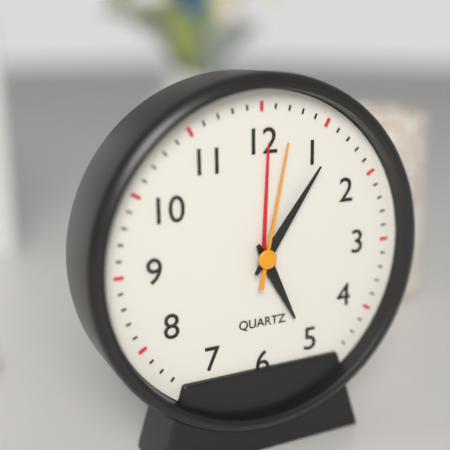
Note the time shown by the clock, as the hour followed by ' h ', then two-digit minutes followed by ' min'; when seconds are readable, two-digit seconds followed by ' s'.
5 h 06 min 02 s
